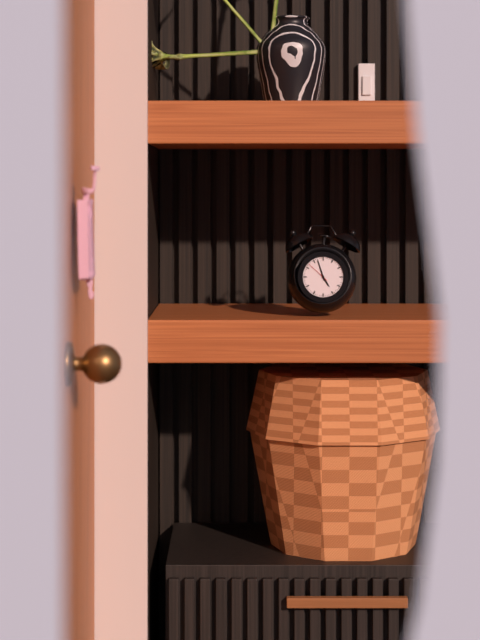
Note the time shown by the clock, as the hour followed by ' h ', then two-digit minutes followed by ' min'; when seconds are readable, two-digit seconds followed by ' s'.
4 h 57 min
